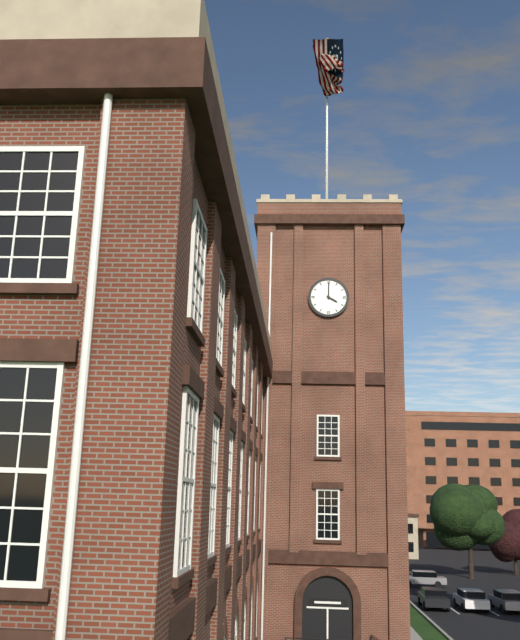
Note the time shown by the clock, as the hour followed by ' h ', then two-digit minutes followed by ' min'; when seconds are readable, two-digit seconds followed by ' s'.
4 h 00 min
